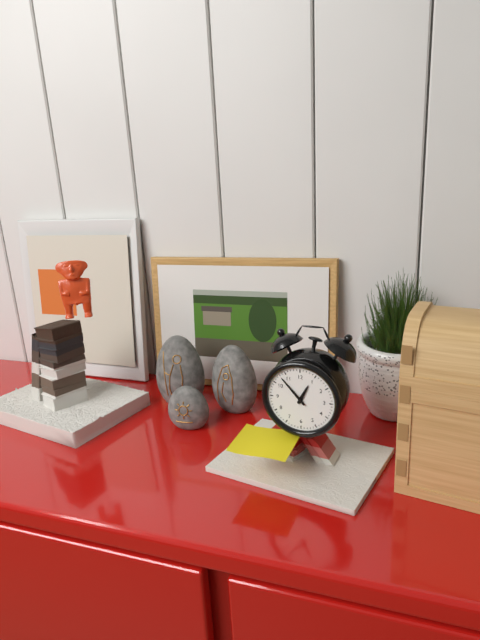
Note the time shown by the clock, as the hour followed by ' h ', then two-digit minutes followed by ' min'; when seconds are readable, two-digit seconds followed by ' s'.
12 h 53 min
